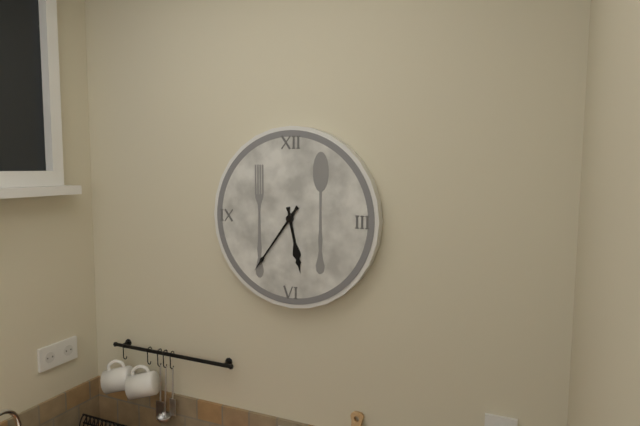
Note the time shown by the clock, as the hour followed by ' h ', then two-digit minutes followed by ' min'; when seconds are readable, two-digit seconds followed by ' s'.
5 h 36 min
